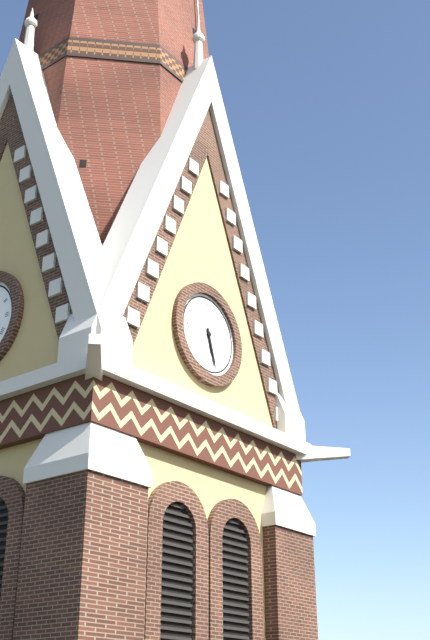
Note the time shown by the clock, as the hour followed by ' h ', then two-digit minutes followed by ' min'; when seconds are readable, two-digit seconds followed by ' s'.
5 h 27 min
